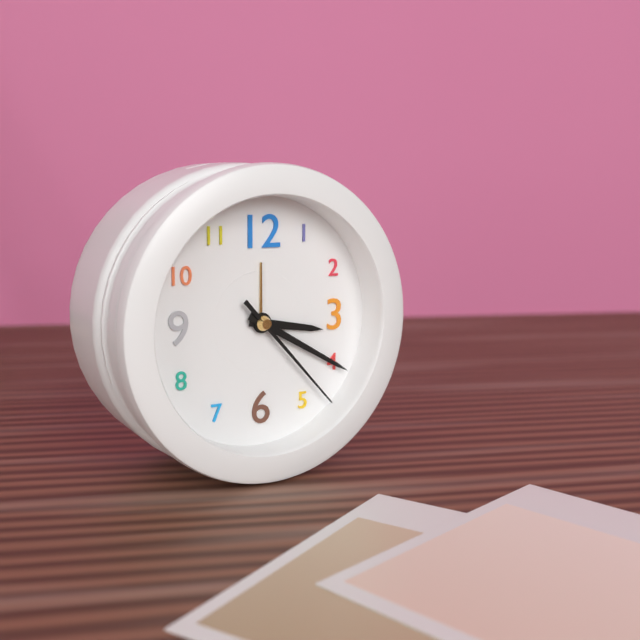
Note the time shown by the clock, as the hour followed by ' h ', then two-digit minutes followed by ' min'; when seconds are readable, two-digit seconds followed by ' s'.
3 h 20 min 23 s
